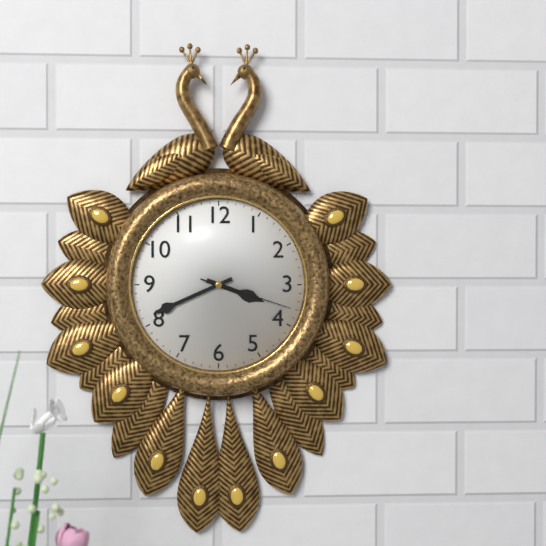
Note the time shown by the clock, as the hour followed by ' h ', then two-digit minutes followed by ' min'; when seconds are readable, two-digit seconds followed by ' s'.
3 h 41 min 18 s
